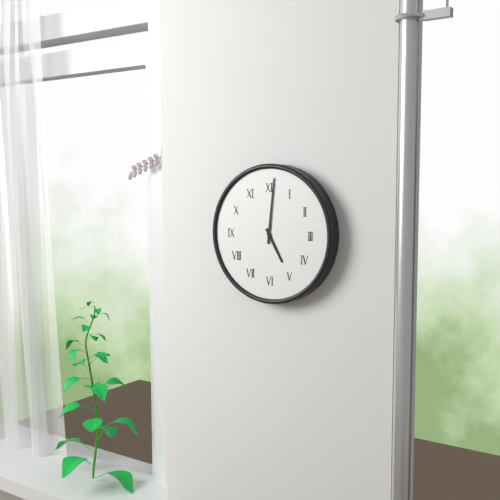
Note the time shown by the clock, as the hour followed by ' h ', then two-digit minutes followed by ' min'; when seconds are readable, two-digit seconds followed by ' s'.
5 h 01 min
